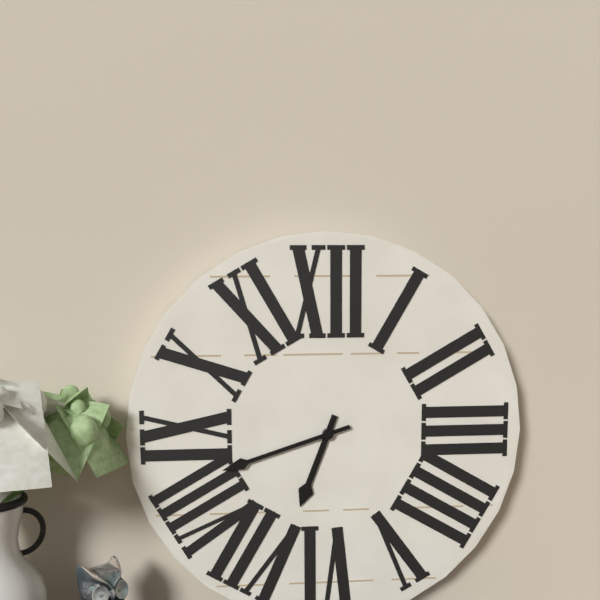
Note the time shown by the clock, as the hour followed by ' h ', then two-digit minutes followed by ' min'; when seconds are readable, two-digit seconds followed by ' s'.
6 h 42 min
